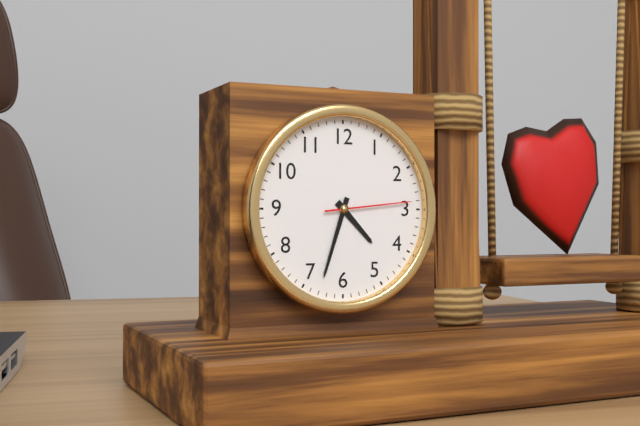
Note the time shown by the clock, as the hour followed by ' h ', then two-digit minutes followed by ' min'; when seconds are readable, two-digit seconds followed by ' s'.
4 h 33 min 14 s
